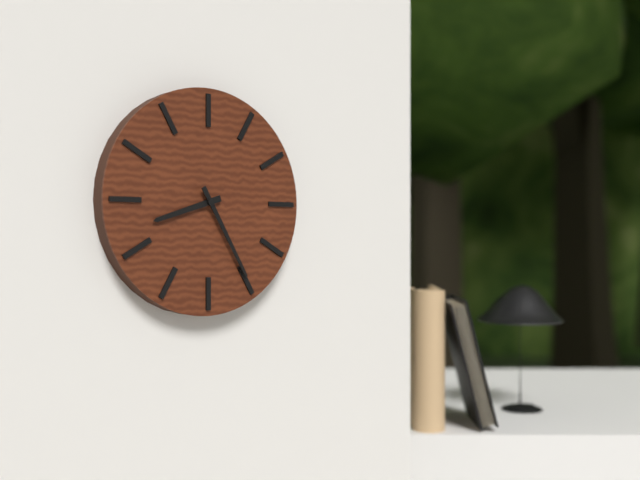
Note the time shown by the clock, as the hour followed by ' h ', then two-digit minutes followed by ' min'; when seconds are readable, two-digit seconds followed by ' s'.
8 h 25 min
